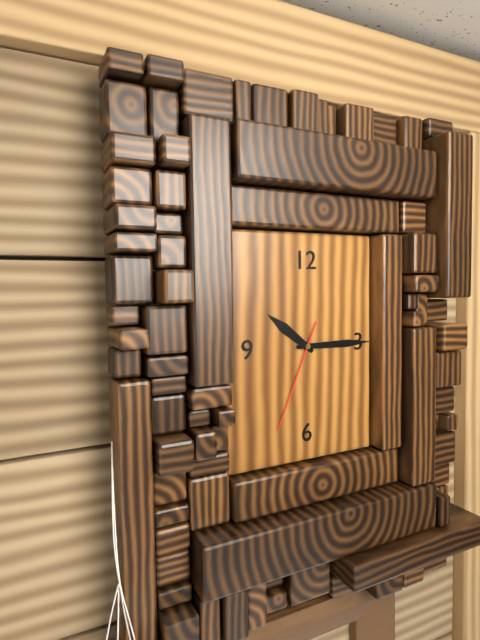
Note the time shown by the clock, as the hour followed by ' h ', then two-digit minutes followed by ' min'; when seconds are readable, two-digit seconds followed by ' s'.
10 h 15 min 34 s
